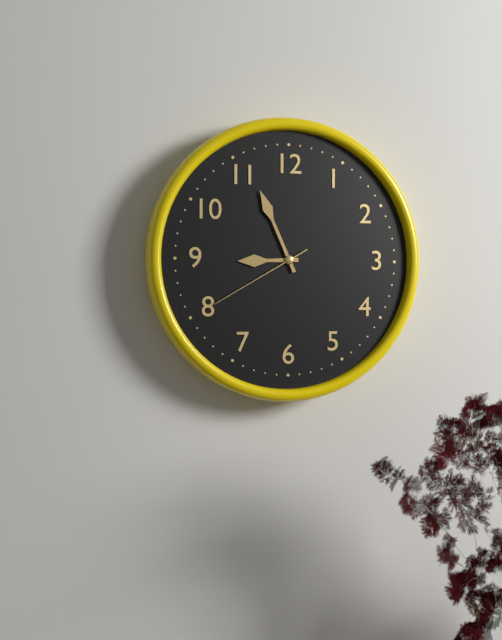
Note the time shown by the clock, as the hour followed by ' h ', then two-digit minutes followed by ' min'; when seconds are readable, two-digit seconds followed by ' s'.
8 h 56 min 40 s
